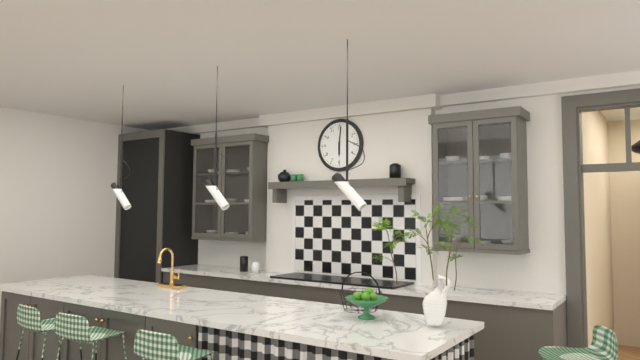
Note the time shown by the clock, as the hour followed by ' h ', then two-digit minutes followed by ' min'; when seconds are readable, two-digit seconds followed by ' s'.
6 h 01 min
